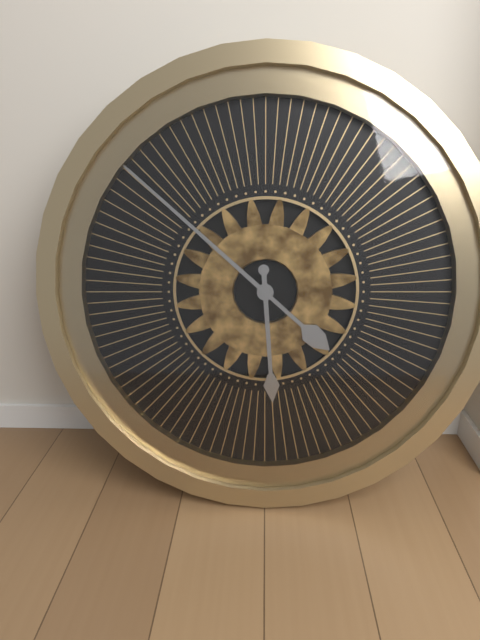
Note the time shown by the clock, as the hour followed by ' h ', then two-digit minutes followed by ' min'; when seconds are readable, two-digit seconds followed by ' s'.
5 h 52 min
